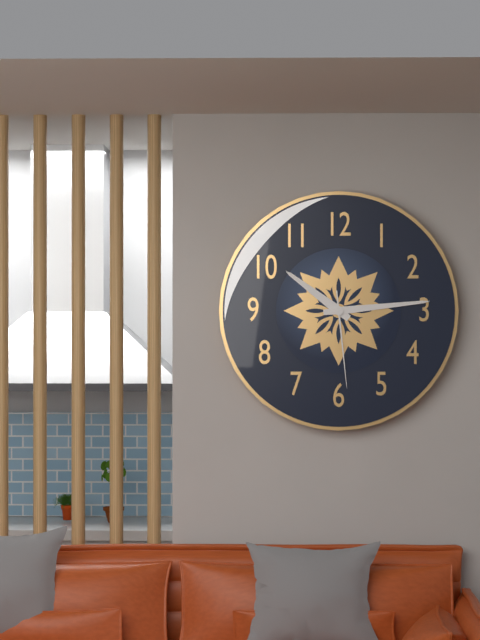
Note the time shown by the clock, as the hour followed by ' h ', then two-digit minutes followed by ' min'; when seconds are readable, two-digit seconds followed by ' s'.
10 h 14 min 29 s
